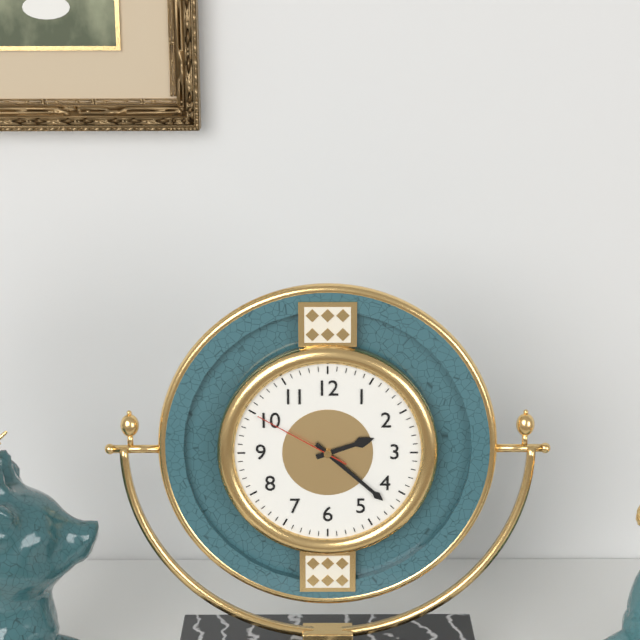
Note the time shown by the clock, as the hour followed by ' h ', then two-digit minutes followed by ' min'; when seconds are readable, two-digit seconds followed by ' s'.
2 h 22 min 50 s
